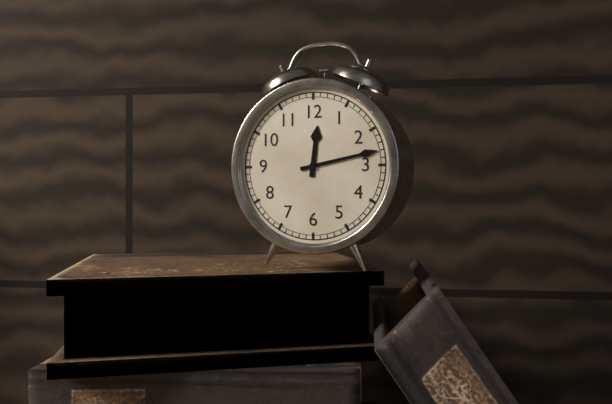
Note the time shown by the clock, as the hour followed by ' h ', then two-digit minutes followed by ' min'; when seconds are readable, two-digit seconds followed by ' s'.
12 h 13 min
